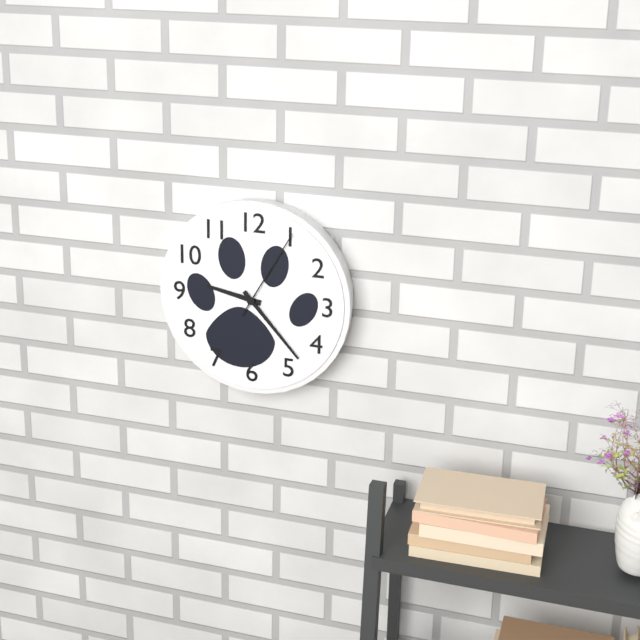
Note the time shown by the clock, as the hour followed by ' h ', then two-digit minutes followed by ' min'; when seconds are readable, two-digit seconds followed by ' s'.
9 h 23 min 05 s
